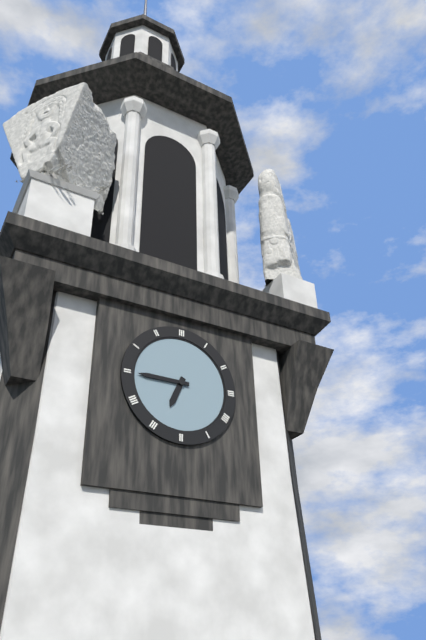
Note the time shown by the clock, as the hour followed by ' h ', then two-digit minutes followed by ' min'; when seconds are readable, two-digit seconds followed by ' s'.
6 h 45 min
